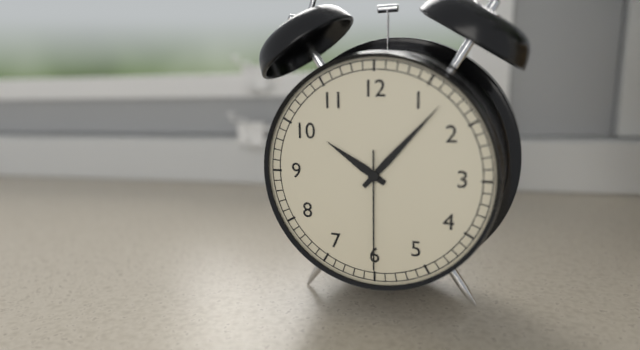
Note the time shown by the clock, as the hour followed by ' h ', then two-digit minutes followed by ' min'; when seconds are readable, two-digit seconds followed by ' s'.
10 h 07 min 30 s
